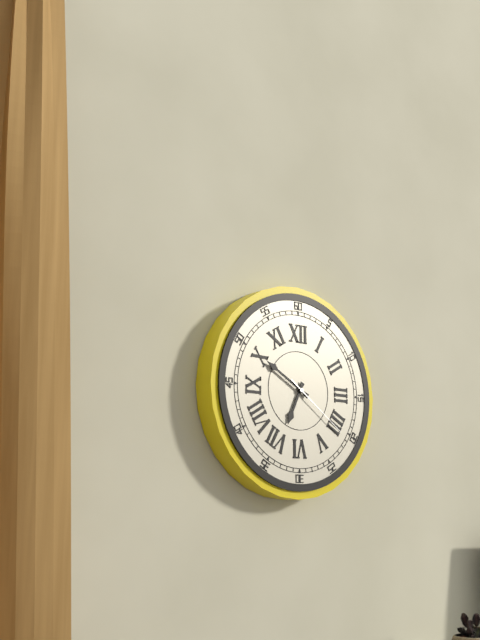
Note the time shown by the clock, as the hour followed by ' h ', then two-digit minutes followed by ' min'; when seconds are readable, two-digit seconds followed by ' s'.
6 h 50 min 21 s
